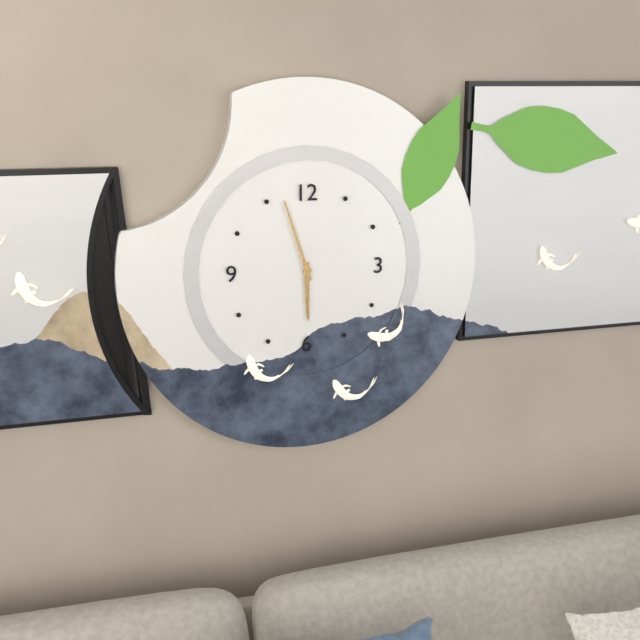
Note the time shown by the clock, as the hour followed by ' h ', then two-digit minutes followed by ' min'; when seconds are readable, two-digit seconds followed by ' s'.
5 h 57 min
